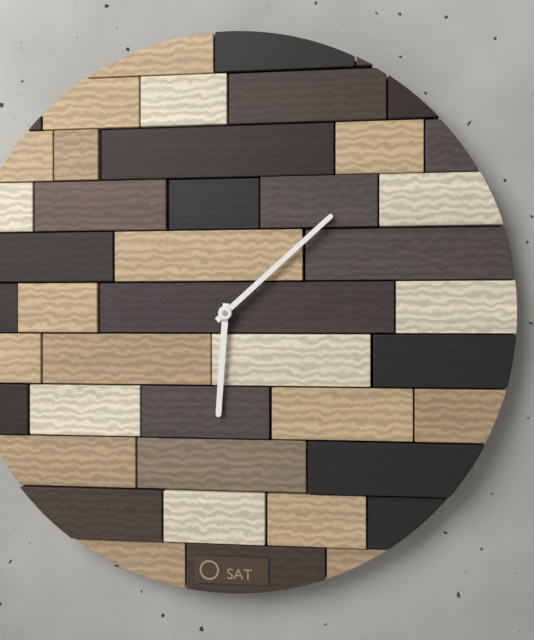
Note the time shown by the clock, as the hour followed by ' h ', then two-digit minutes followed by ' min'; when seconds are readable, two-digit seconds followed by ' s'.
6 h 08 min
